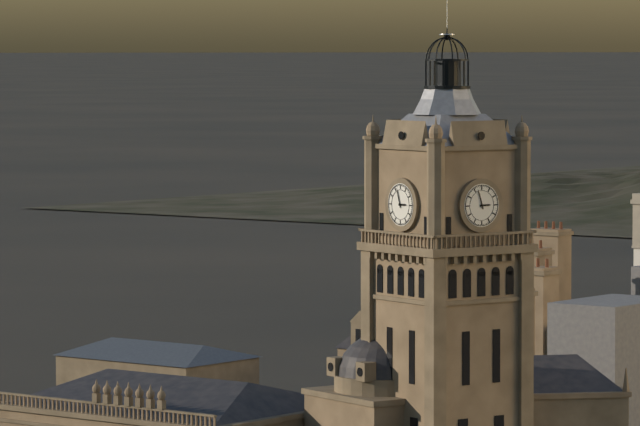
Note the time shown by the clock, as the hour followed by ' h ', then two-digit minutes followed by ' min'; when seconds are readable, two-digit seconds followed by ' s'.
2 h 57 min
